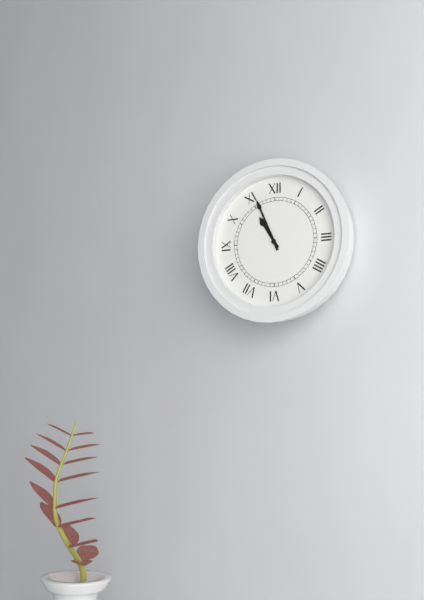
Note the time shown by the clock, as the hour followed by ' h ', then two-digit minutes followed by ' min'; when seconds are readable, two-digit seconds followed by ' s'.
10 h 56 min
